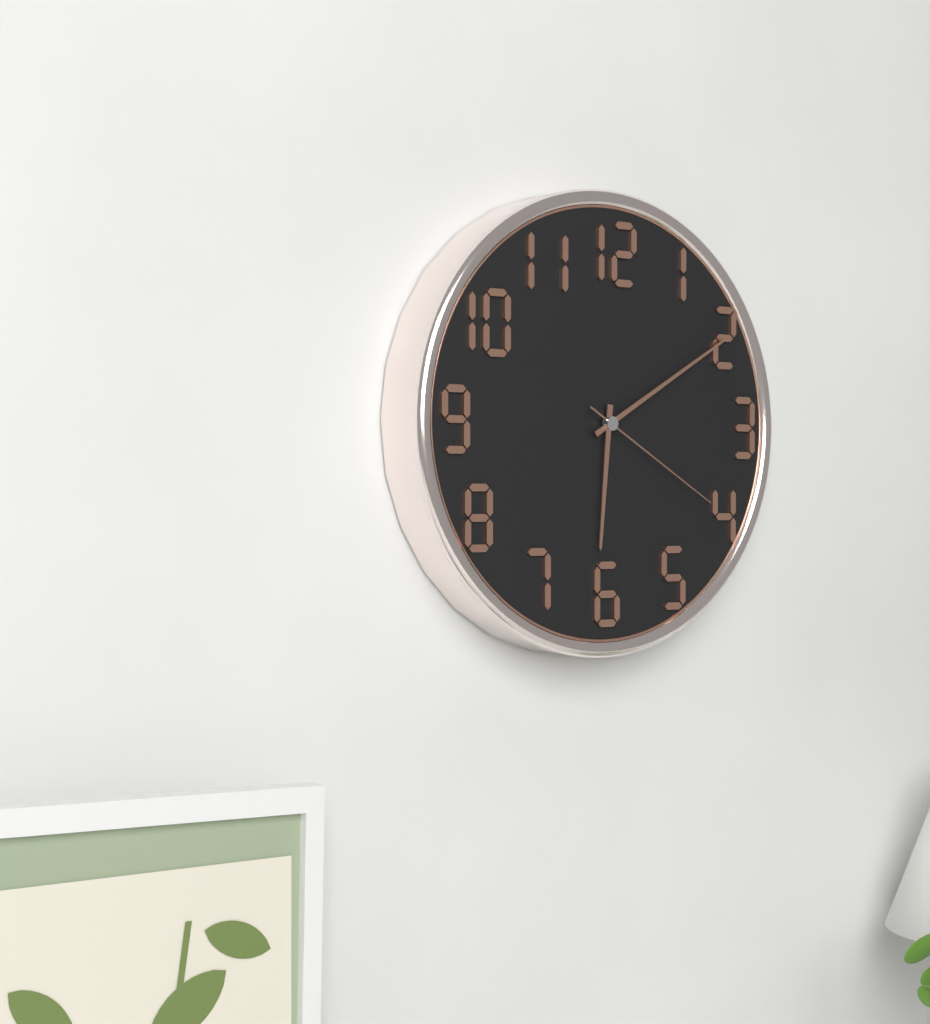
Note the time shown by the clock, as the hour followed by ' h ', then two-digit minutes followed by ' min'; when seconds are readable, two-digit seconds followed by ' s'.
6 h 10 min 20 s
